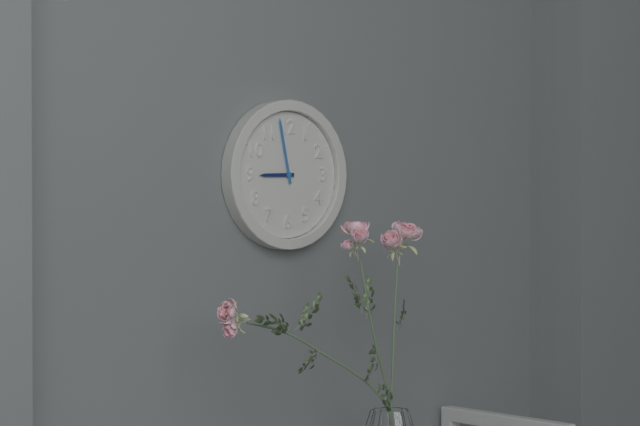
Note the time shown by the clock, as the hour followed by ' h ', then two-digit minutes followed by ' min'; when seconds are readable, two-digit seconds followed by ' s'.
8 h 58 min
